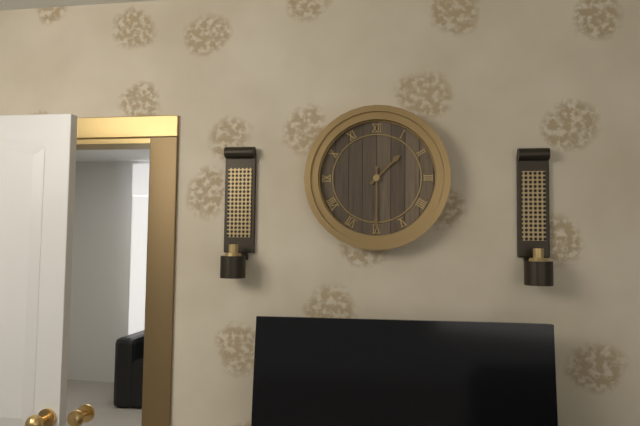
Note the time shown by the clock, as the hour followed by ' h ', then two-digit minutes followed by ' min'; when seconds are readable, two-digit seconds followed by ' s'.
1 h 30 min
